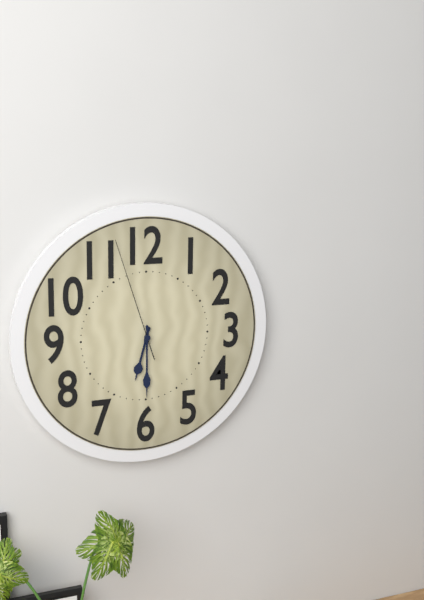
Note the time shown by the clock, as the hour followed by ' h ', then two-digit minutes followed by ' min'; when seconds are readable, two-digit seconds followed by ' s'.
6 h 30 min 57 s
